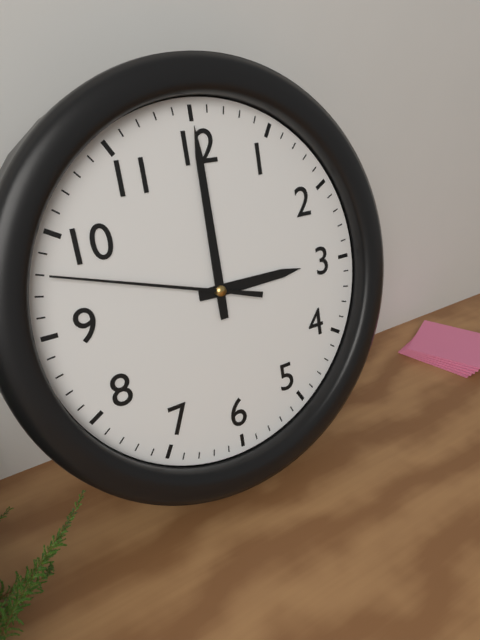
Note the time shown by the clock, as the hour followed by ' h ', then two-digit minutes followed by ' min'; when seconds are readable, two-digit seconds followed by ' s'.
3 h 00 min 48 s
